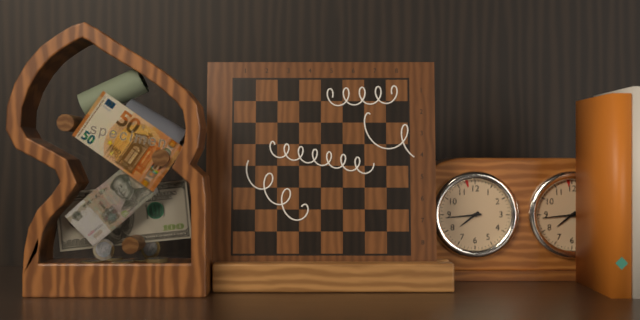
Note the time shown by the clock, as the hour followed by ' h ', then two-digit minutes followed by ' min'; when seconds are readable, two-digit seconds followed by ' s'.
7 h 44 min
